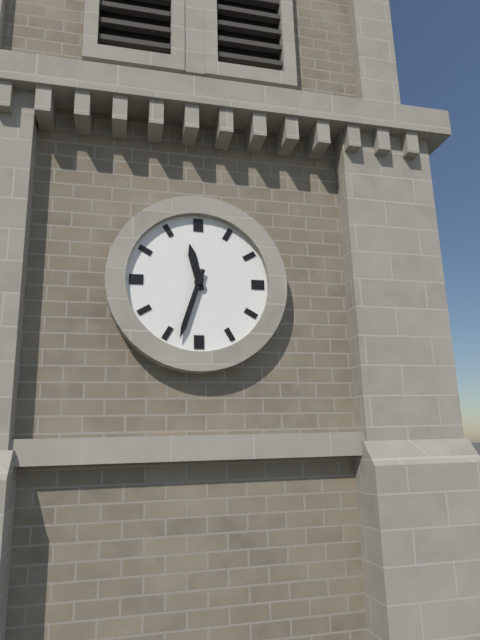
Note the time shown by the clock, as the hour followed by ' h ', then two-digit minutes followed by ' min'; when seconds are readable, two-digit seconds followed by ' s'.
11 h 33 min
